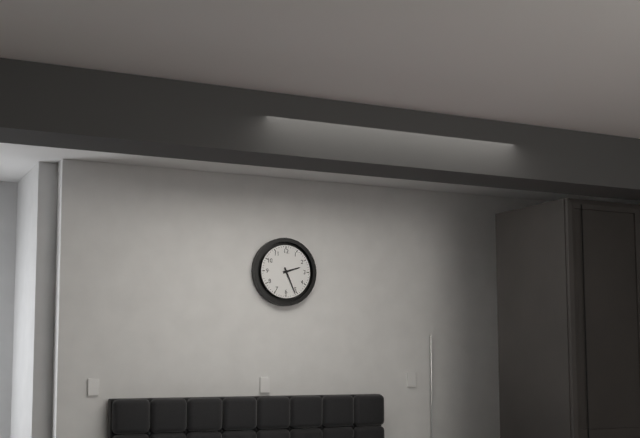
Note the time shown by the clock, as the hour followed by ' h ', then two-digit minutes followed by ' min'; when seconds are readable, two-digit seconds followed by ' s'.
2 h 26 min
